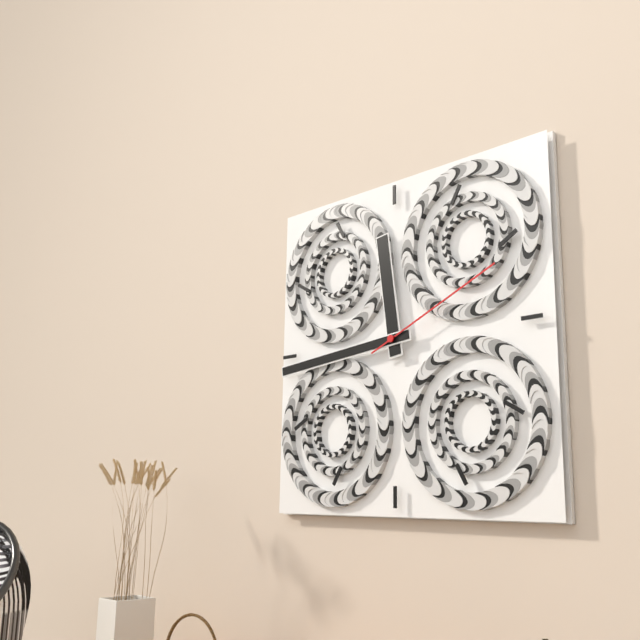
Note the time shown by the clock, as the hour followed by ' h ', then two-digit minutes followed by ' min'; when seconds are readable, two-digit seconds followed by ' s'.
11 h 44 min 11 s
